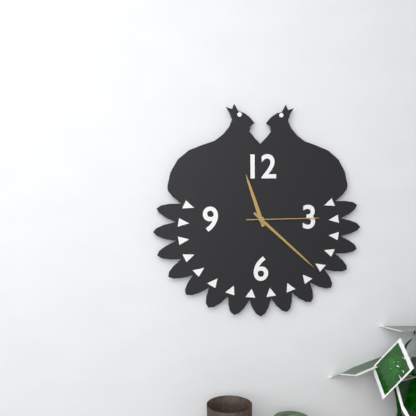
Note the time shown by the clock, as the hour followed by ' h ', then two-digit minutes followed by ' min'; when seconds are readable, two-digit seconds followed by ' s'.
11 h 22 min 15 s
